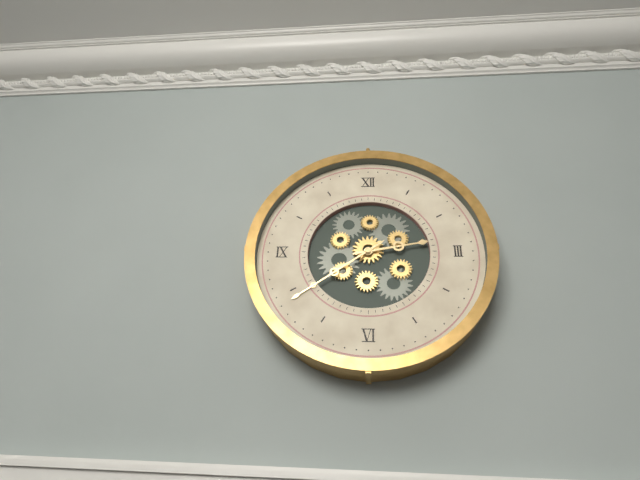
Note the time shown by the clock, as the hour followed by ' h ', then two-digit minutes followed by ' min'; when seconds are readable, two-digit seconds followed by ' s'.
2 h 39 min
